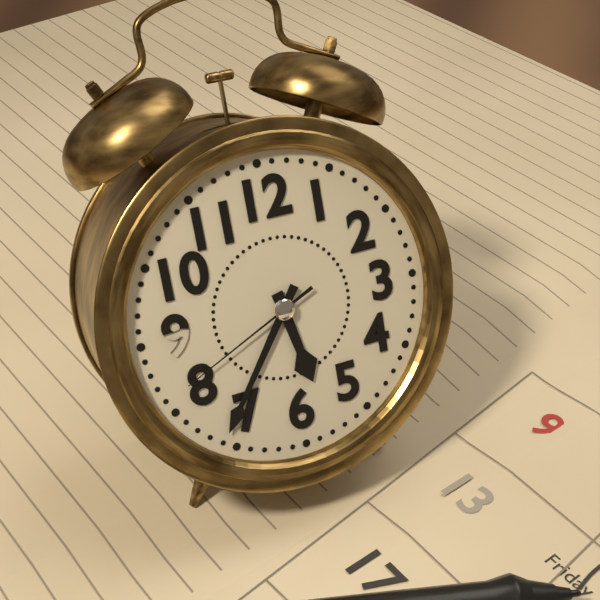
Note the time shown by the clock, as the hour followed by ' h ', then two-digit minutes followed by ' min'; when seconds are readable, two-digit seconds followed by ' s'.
5 h 36 min 41 s
